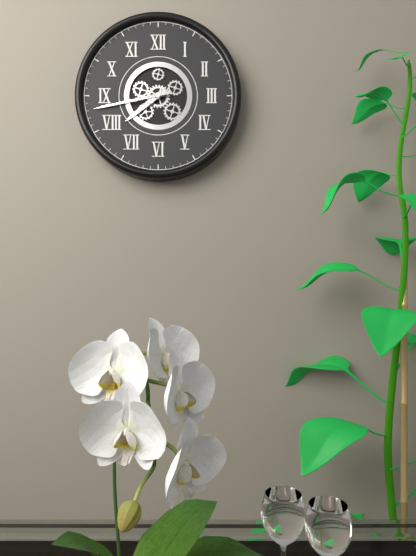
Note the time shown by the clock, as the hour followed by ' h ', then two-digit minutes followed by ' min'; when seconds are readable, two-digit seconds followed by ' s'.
7 h 43 min
